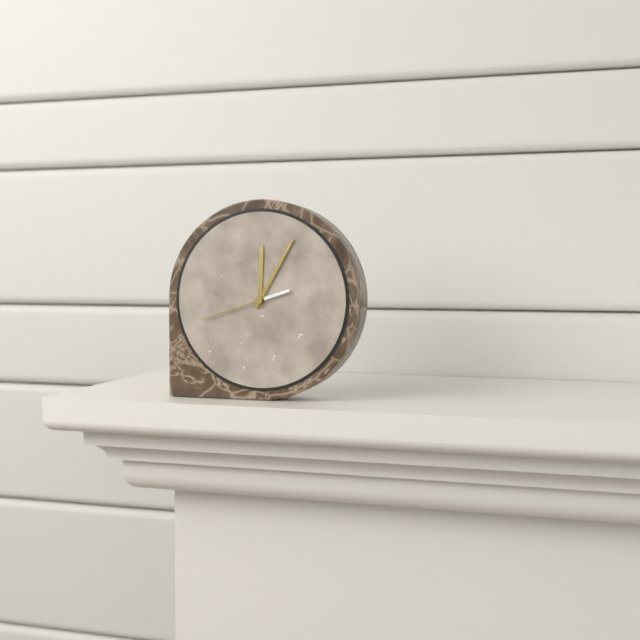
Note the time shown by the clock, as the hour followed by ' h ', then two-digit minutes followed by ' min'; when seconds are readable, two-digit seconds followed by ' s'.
12 h 05 min 42 s
